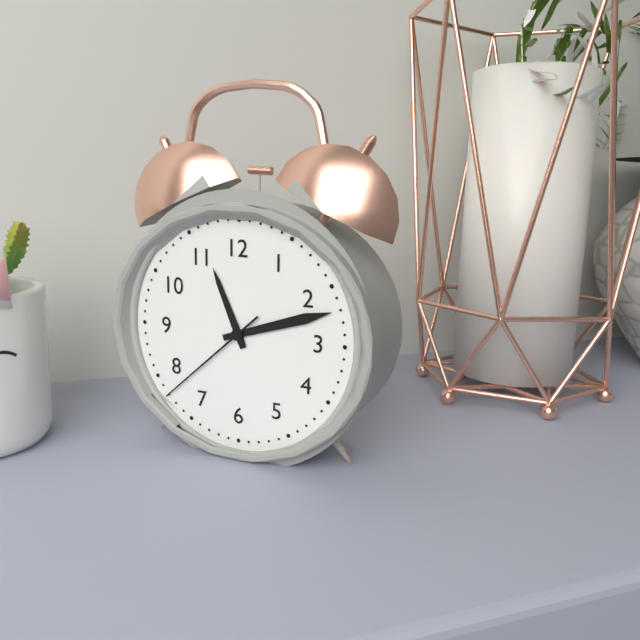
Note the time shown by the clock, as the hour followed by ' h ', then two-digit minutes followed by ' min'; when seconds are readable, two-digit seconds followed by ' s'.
11 h 12 min 38 s
